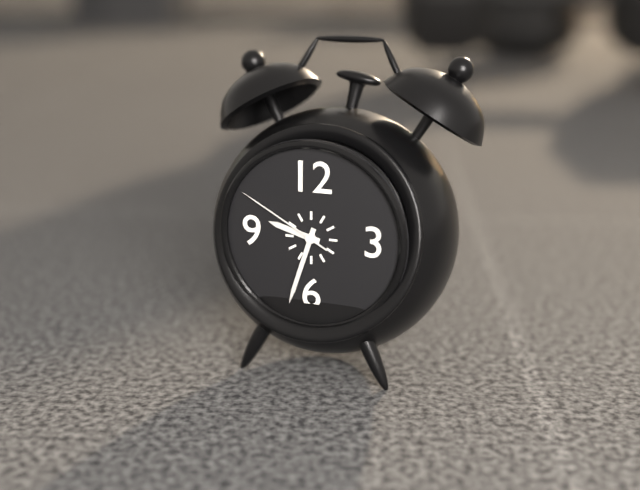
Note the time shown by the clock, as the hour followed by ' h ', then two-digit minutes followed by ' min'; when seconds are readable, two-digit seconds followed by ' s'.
9 h 33 min 50 s
